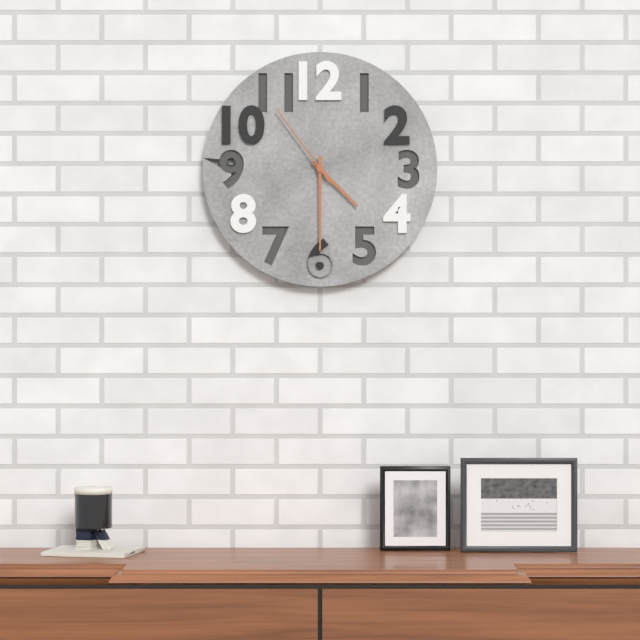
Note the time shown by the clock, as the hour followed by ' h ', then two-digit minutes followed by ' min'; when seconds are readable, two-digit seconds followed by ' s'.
4 h 30 min 54 s
